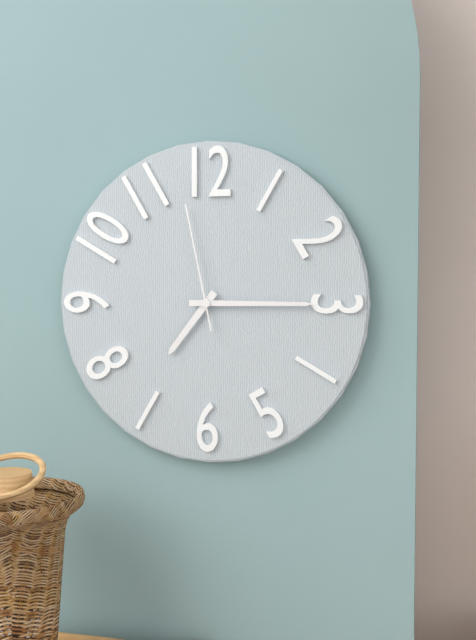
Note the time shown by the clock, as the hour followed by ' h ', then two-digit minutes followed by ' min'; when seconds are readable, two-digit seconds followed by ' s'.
7 h 15 min 58 s
